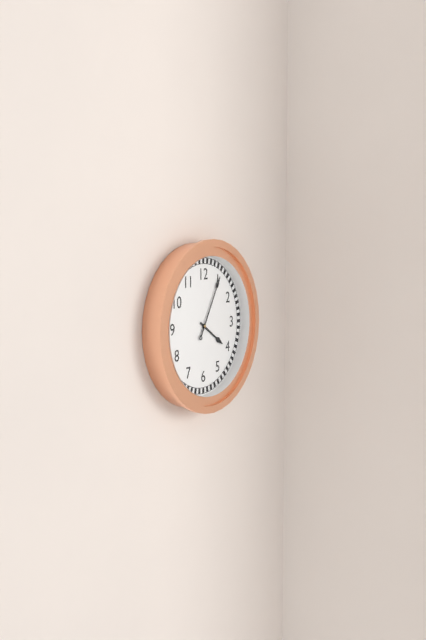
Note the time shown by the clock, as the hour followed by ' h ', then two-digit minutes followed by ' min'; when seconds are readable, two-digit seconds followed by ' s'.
4 h 05 min
